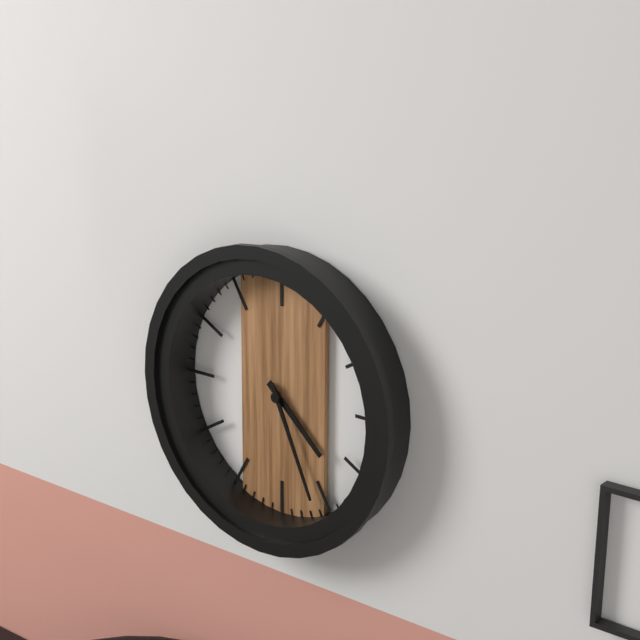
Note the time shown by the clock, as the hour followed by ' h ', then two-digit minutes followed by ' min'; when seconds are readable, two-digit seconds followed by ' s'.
4 h 26 min
